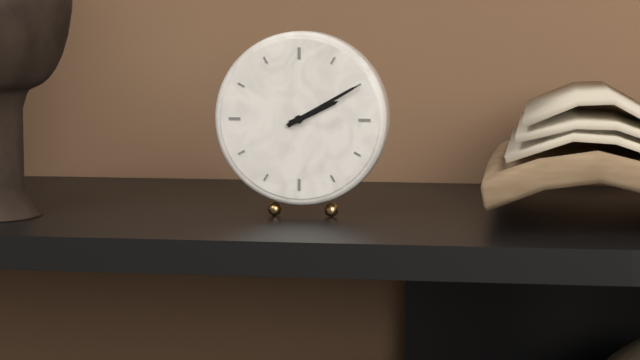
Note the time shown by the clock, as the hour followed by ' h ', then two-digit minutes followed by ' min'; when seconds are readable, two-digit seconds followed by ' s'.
2 h 10 min
